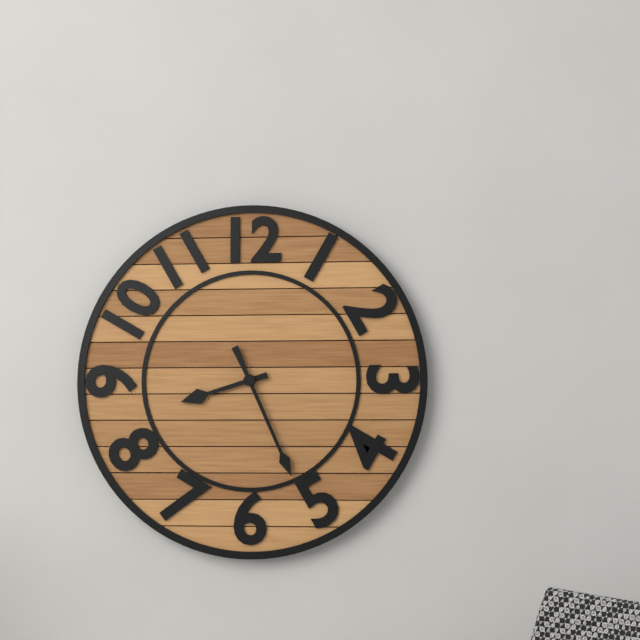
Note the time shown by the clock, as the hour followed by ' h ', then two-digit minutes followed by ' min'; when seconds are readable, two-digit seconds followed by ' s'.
8 h 26 min
